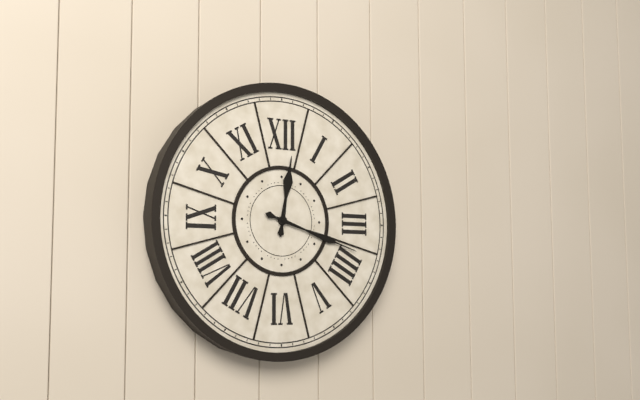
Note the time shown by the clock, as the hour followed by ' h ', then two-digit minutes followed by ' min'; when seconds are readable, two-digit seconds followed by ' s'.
12 h 18 min
